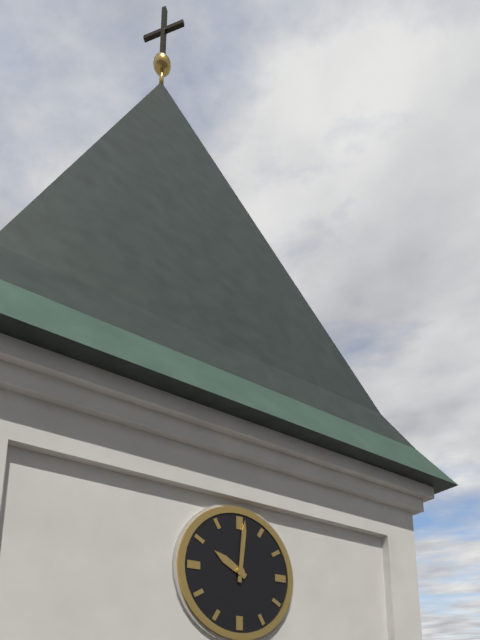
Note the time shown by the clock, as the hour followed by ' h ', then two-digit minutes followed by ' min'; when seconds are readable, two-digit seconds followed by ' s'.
10 h 01 min
